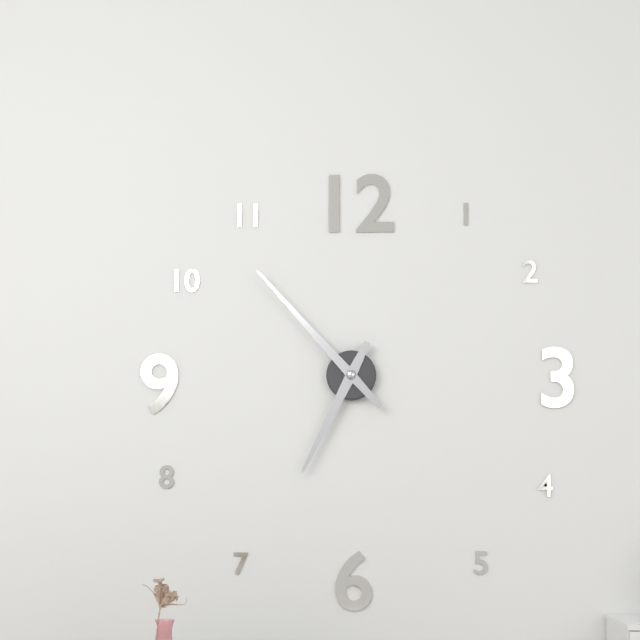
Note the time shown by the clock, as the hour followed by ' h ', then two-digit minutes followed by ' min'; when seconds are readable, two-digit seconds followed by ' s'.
6 h 53 min
